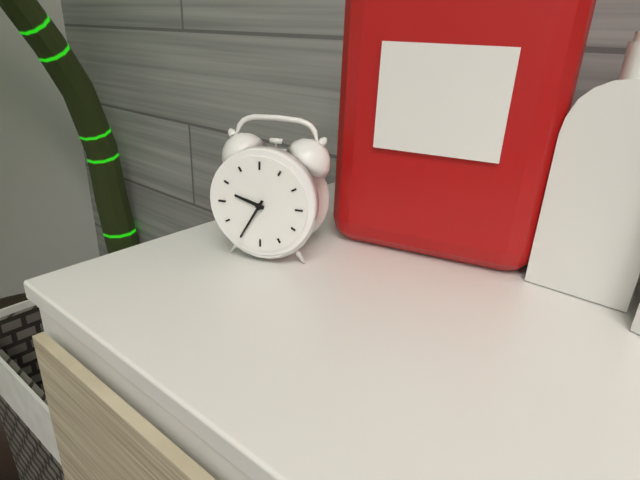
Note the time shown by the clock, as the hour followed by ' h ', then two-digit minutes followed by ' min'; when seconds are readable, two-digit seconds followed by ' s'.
9 h 35 min
